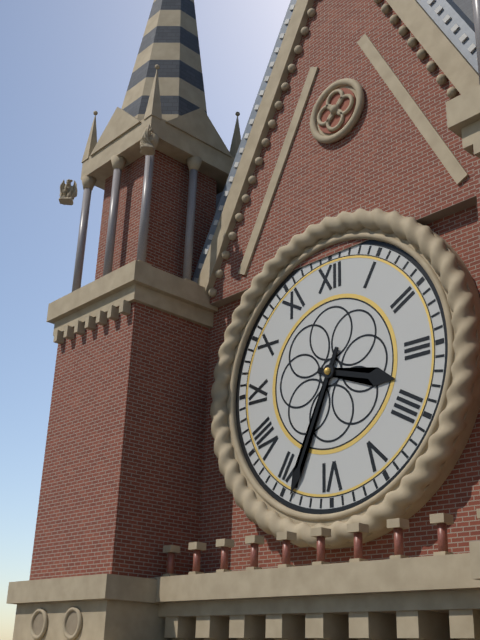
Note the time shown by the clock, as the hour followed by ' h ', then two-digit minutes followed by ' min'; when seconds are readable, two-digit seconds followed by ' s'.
3 h 34 min
